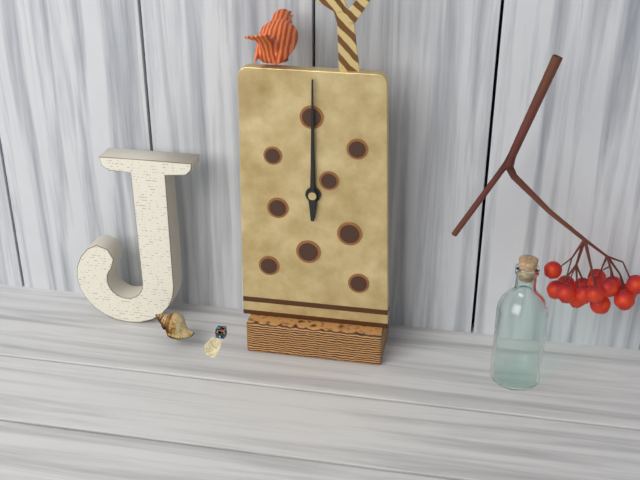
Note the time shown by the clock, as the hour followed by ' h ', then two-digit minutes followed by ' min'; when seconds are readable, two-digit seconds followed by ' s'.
12 h 00 min
